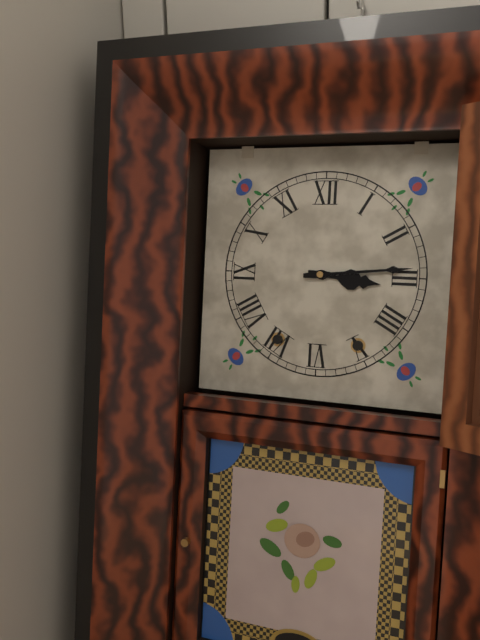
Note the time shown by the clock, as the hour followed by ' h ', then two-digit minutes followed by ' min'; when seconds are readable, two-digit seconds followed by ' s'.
3 h 14 min
